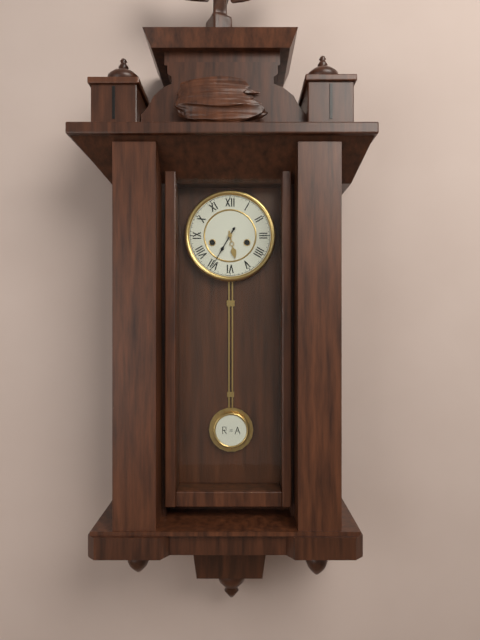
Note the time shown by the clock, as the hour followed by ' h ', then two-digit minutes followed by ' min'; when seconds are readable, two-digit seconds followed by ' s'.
5 h 35 min
